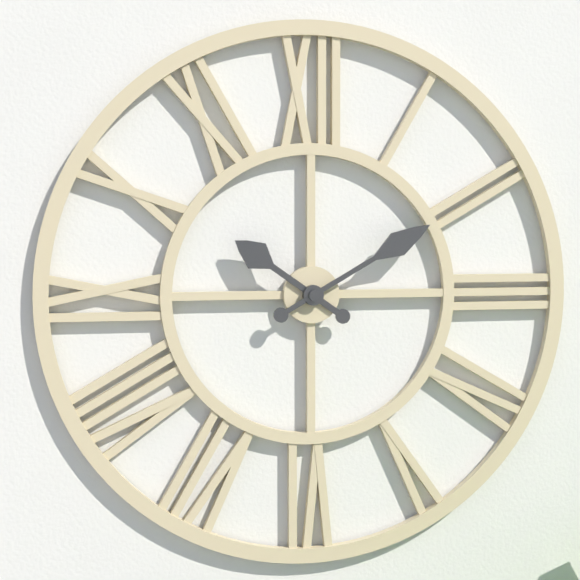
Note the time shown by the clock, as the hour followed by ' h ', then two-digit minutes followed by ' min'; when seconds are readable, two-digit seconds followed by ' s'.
10 h 10 min
